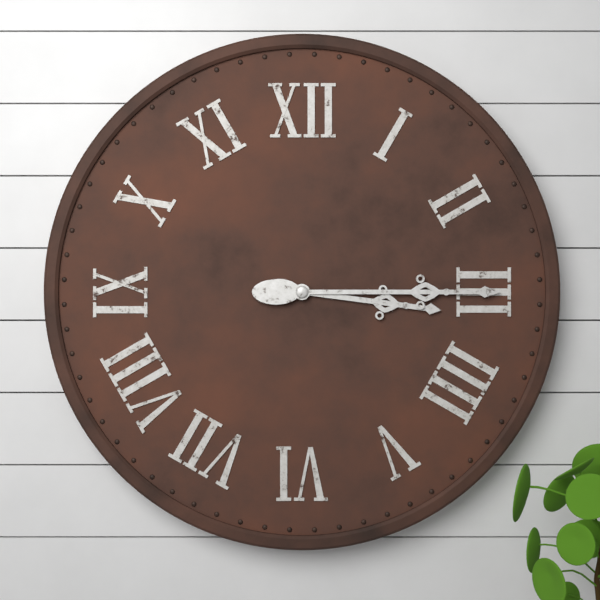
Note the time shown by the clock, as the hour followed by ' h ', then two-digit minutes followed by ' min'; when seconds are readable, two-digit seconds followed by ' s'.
3 h 15 min
